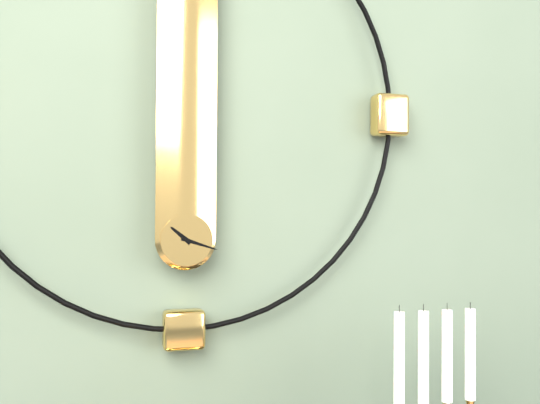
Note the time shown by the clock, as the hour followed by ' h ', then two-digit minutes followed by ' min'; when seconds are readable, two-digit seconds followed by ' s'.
10 h 18 min
